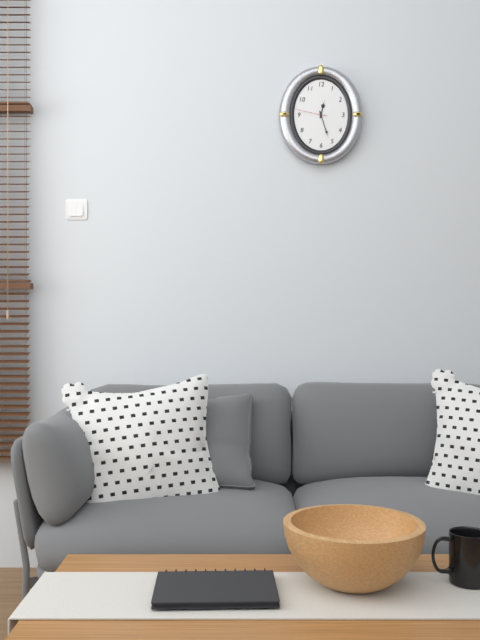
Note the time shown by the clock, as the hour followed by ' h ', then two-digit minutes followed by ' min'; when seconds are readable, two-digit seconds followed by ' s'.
12 h 27 min
